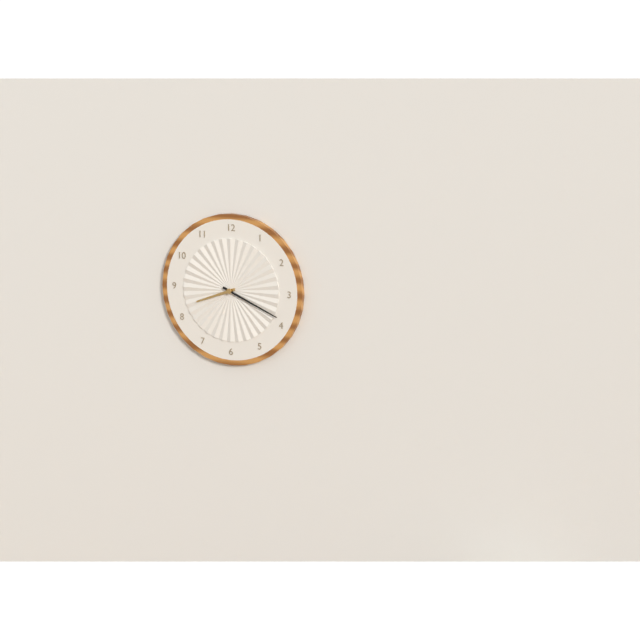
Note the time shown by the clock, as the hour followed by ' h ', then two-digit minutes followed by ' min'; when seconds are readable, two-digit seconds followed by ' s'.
8 h 19 min
